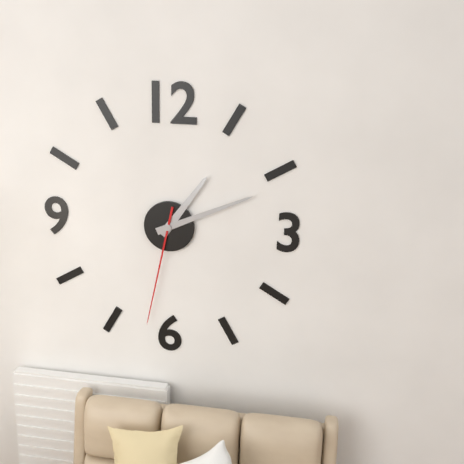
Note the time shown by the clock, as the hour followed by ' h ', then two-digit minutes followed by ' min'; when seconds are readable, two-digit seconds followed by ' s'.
1 h 11 min 32 s
